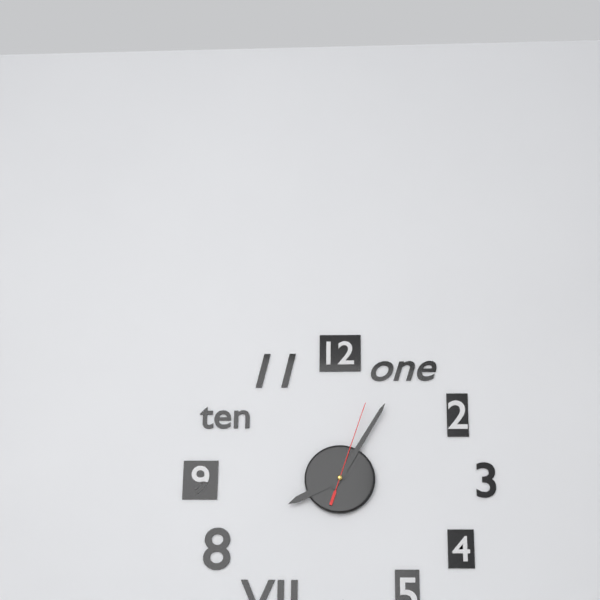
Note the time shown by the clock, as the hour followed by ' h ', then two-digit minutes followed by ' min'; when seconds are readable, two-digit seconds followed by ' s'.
8 h 05 min 03 s
